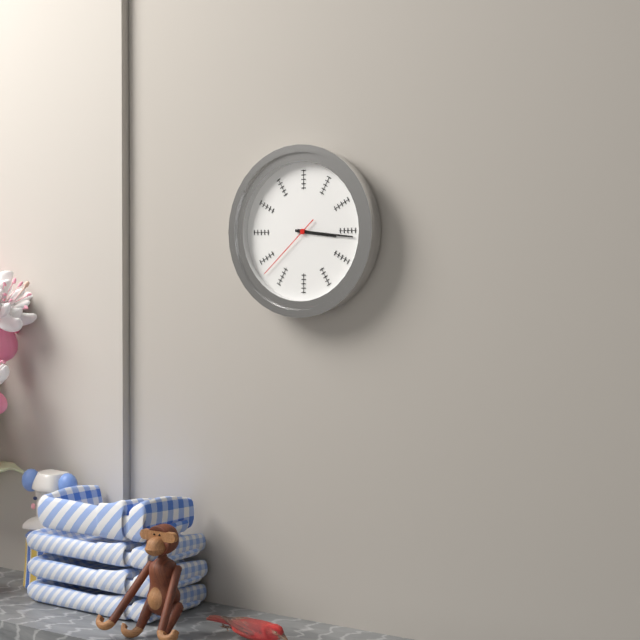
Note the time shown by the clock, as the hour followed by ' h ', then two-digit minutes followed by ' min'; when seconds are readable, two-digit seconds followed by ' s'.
3 h 16 min 38 s
